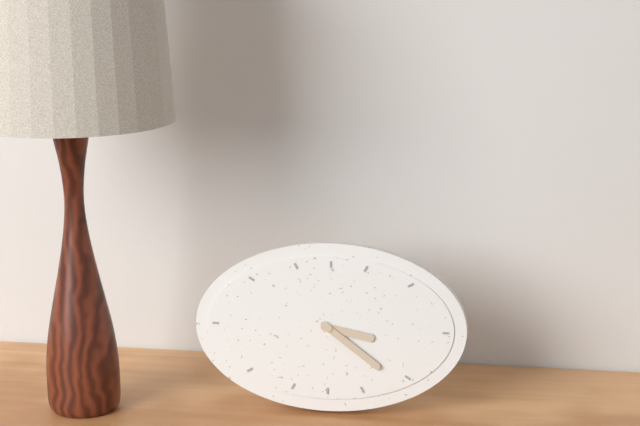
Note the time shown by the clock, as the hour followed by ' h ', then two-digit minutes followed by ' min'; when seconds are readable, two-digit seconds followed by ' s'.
3 h 21 min
